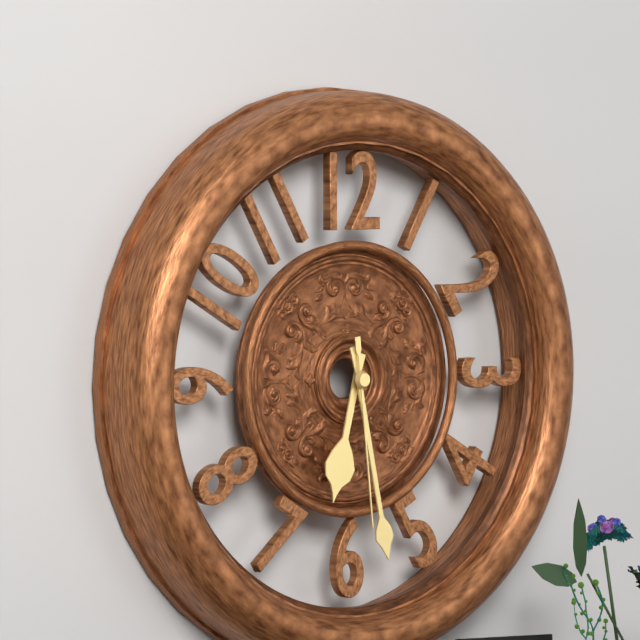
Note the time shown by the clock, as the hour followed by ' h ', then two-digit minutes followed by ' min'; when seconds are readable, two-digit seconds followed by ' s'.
6 h 28 min 29 s
